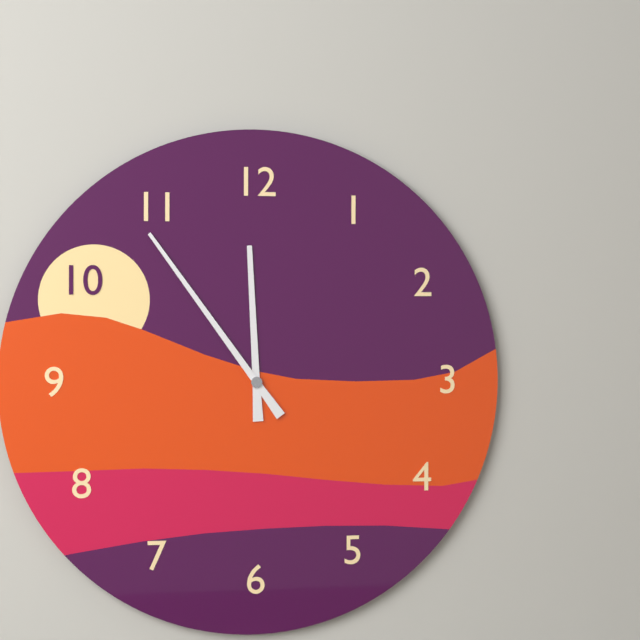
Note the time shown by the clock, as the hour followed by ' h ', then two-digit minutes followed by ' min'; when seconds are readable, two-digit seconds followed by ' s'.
11 h 54 min
